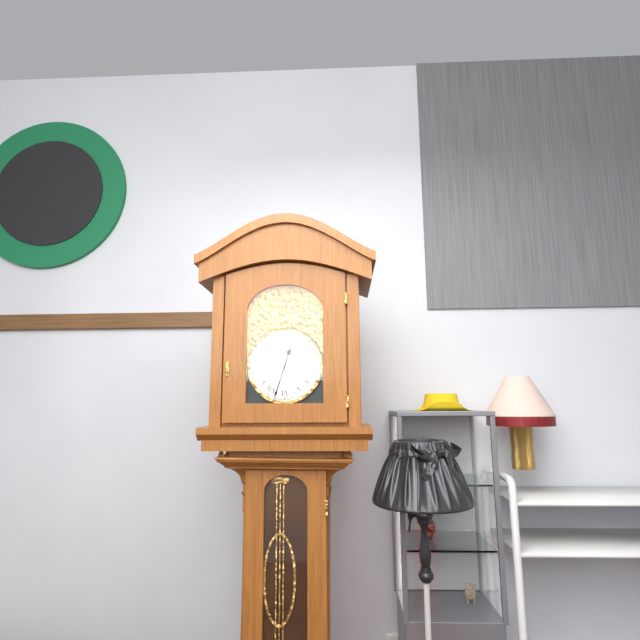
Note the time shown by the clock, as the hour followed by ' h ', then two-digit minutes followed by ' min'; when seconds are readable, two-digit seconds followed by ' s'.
12 h 33 min
